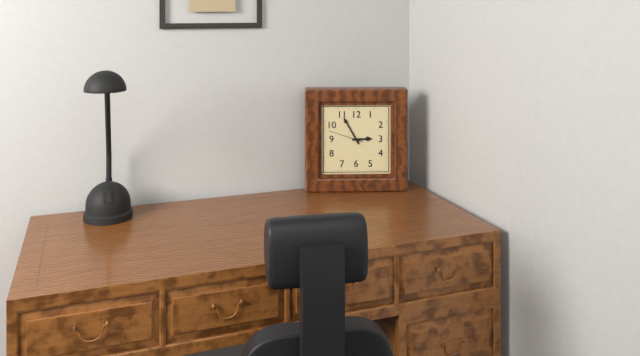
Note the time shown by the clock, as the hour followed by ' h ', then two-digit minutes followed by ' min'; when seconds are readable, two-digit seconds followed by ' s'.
2 h 55 min
